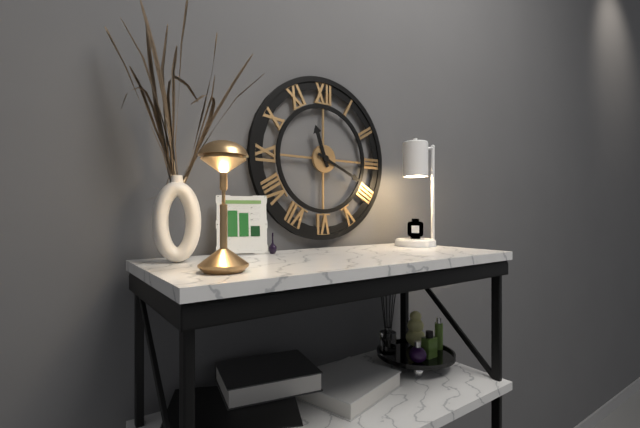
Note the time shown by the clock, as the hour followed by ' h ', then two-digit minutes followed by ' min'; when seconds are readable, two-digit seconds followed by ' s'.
11 h 19 min
